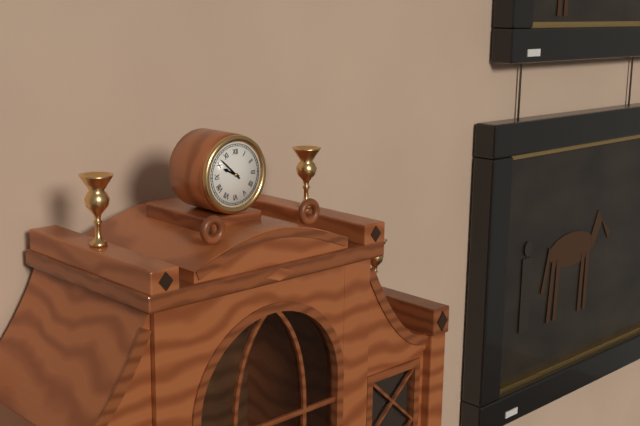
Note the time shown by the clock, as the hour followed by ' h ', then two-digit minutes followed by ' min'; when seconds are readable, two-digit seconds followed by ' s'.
9 h 52 min
